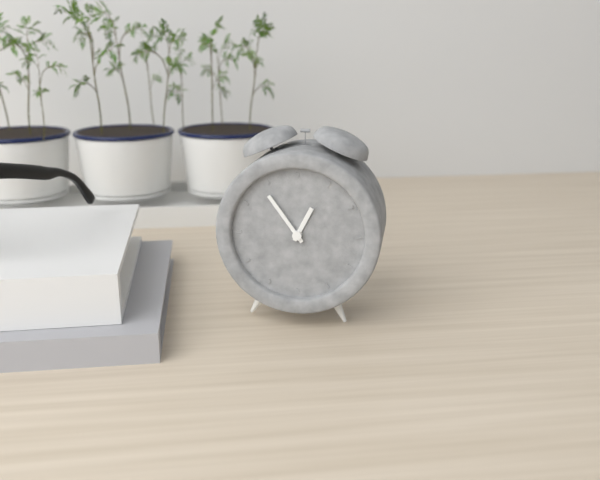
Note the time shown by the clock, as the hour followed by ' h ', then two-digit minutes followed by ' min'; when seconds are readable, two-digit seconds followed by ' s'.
12 h 54 min
